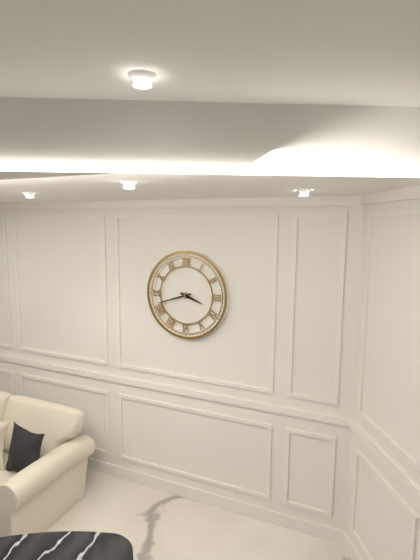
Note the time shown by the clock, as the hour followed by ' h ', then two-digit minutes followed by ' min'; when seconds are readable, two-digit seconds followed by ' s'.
3 h 42 min
